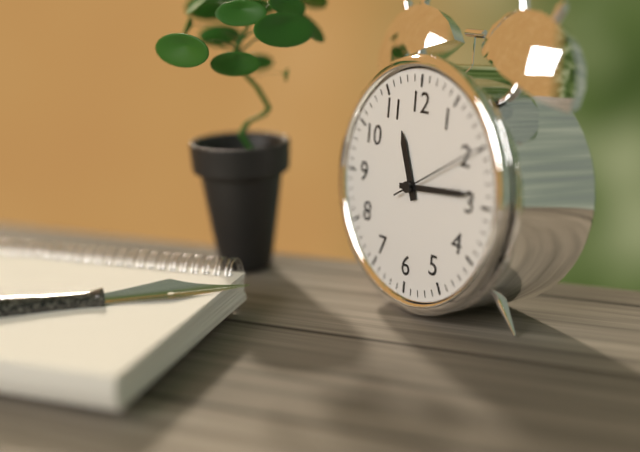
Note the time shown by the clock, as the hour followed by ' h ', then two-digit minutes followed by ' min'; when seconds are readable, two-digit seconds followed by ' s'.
11 h 14 min 10 s
